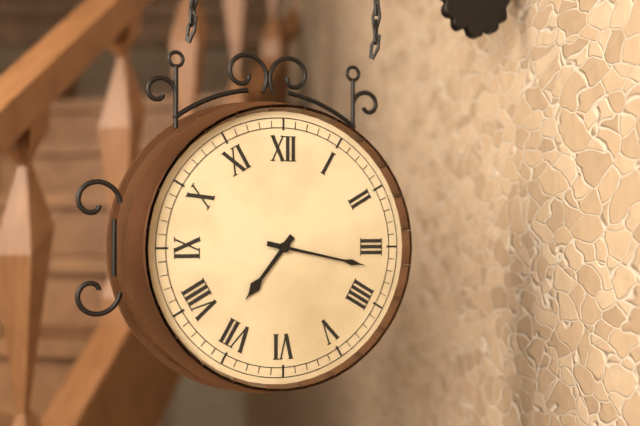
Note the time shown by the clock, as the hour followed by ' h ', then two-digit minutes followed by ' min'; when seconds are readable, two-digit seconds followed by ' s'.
7 h 17 min
